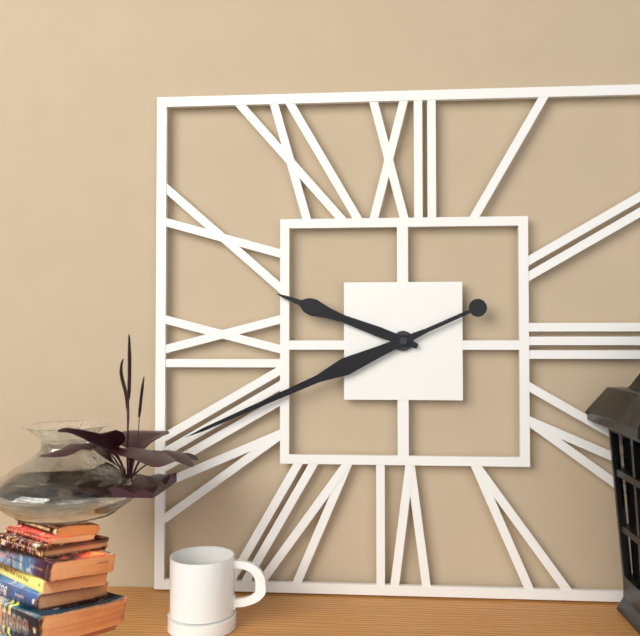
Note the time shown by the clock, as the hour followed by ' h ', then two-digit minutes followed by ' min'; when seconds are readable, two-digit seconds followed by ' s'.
9 h 41 min
